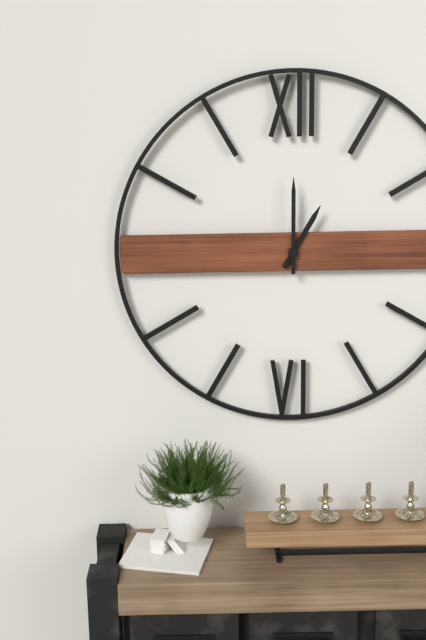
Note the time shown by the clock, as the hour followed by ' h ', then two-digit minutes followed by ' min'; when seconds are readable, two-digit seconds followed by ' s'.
1 h 00 min
